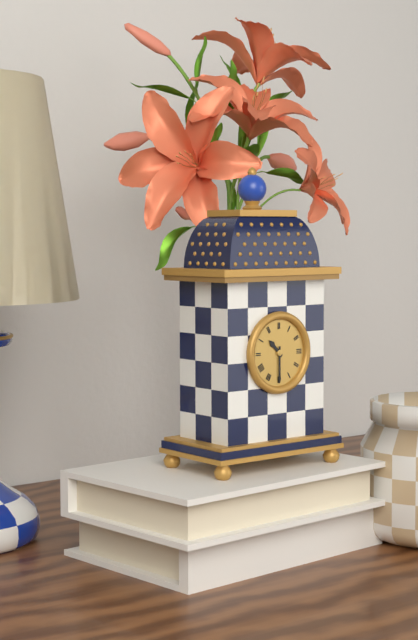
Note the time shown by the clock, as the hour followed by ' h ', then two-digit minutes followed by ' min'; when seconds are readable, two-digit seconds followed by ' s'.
10 h 30 min
